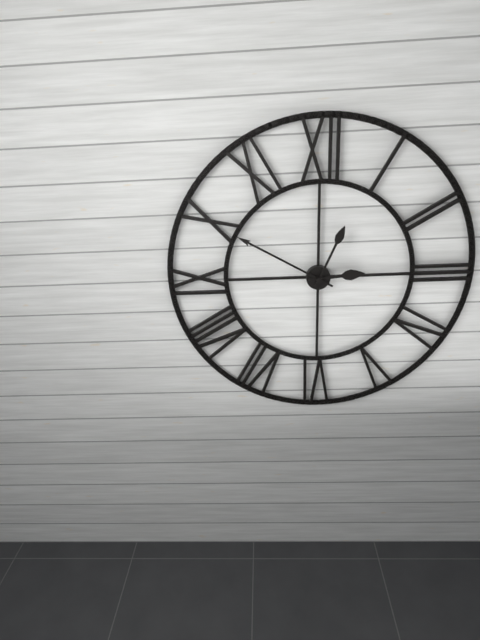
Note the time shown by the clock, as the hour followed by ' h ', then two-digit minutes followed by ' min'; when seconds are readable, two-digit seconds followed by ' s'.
2 h 50 min 04 s
